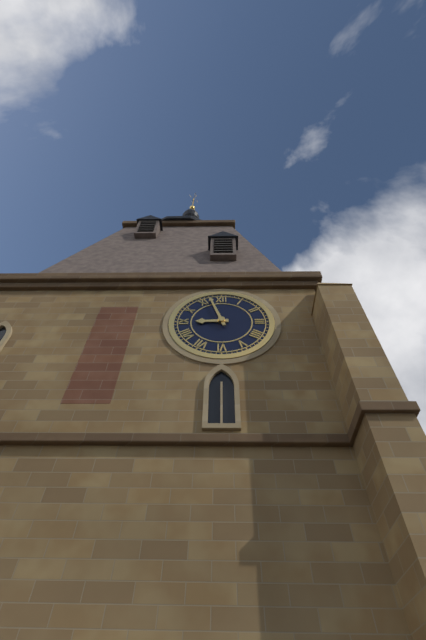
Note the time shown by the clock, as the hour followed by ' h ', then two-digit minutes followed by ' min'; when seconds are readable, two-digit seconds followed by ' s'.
8 h 57 min
